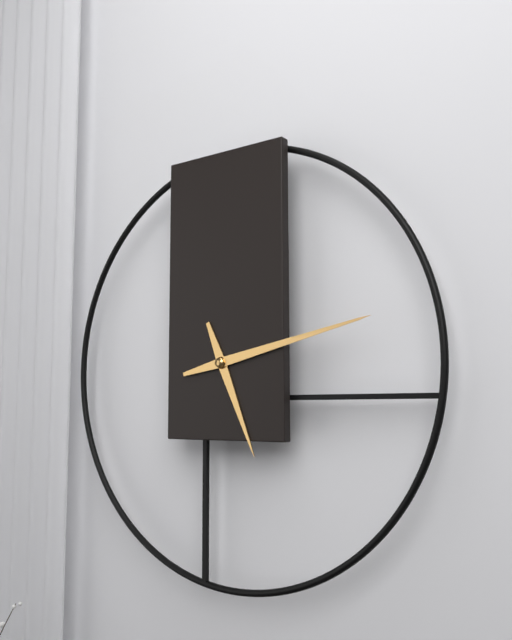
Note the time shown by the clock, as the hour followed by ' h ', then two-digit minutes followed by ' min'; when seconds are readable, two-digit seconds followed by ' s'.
5 h 13 min
